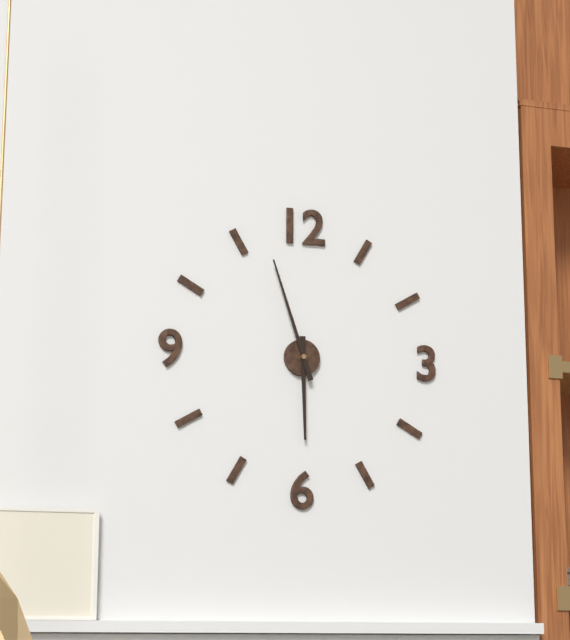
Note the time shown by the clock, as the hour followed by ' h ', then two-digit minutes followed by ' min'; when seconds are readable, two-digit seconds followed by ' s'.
5 h 57 min
